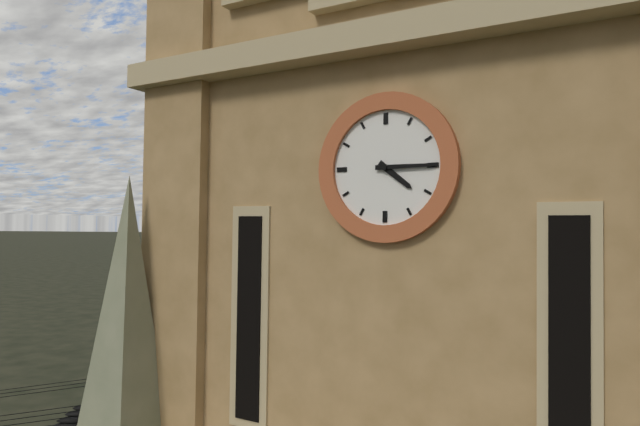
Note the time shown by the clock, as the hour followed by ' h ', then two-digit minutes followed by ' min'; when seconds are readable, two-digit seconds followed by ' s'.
4 h 15 min
